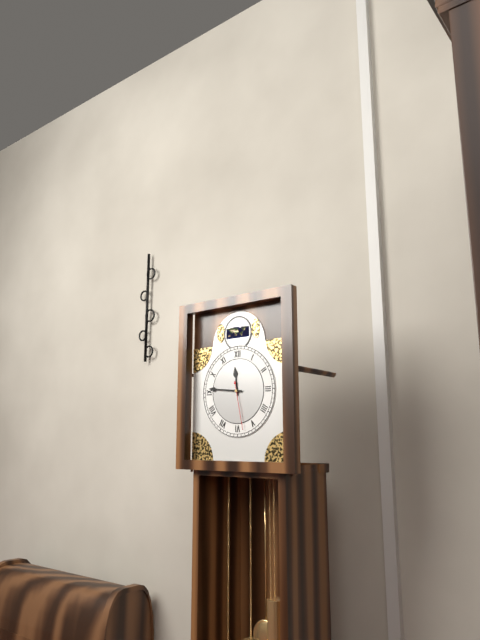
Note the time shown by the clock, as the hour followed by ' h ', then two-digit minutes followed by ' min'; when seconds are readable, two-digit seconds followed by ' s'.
11 h 46 min
